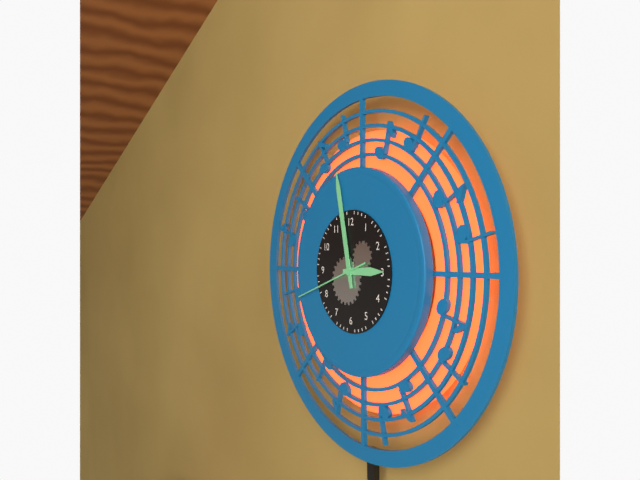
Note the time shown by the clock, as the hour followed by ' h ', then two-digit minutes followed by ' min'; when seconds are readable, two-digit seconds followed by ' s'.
2 h 58 min 42 s
